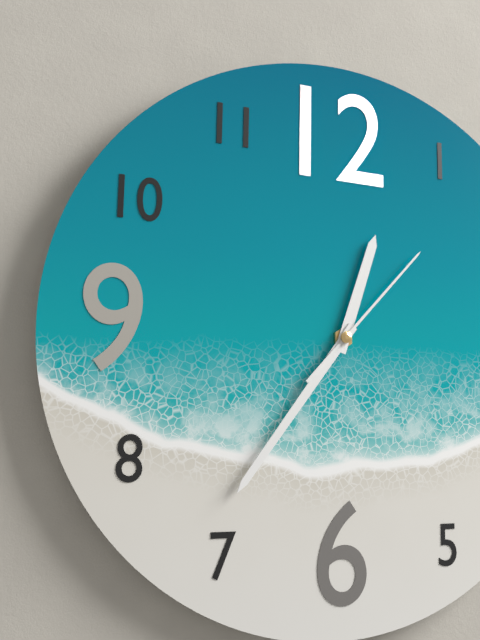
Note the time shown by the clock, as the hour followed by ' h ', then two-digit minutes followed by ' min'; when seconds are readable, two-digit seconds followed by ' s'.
12 h 36 min 07 s
